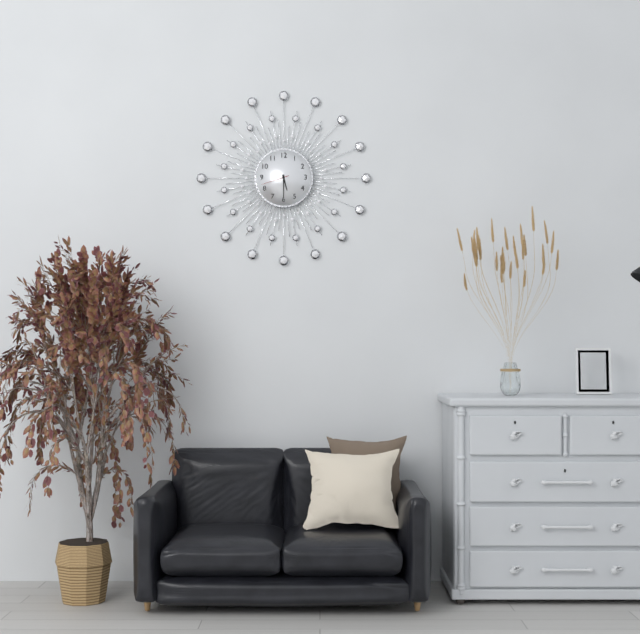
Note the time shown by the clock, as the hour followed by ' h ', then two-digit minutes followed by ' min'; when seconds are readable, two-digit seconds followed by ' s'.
5 h 30 min
